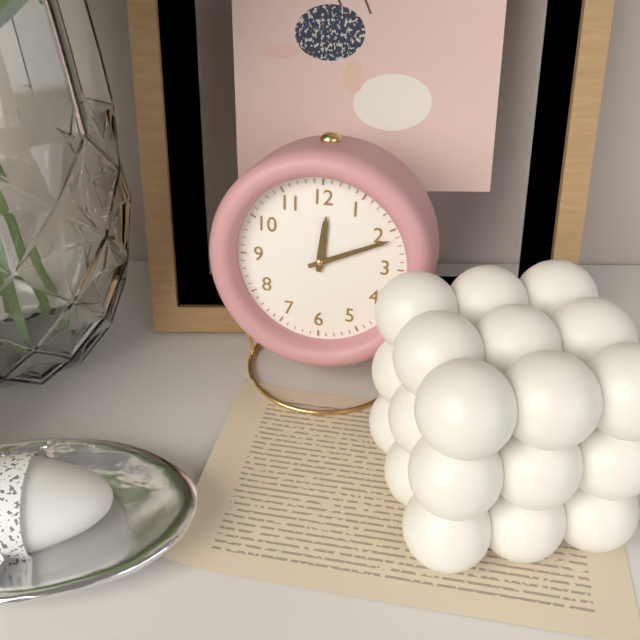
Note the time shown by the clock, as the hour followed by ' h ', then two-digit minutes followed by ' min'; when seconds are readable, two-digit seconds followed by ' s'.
12 h 11 min
